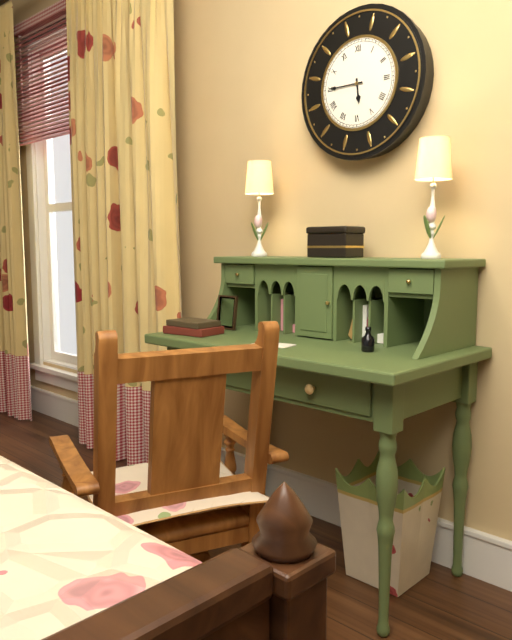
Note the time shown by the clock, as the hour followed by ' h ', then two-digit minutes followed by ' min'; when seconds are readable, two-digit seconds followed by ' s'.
5 h 45 min
